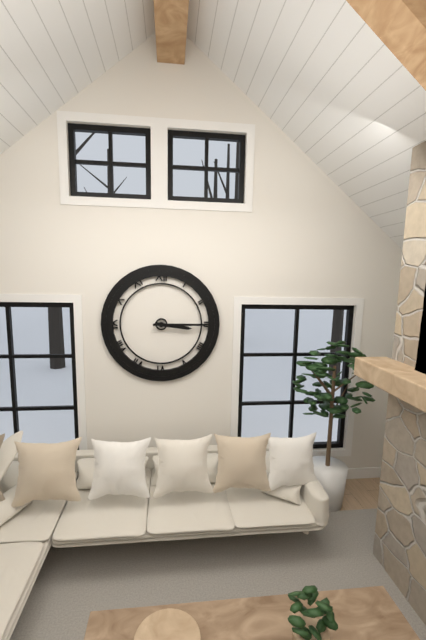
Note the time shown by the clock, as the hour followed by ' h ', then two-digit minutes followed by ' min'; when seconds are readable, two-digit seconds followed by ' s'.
3 h 15 min
